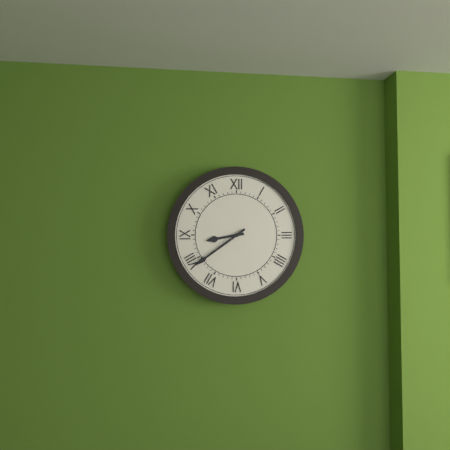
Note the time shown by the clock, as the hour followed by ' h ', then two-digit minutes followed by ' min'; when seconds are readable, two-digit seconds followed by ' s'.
8 h 39 min
